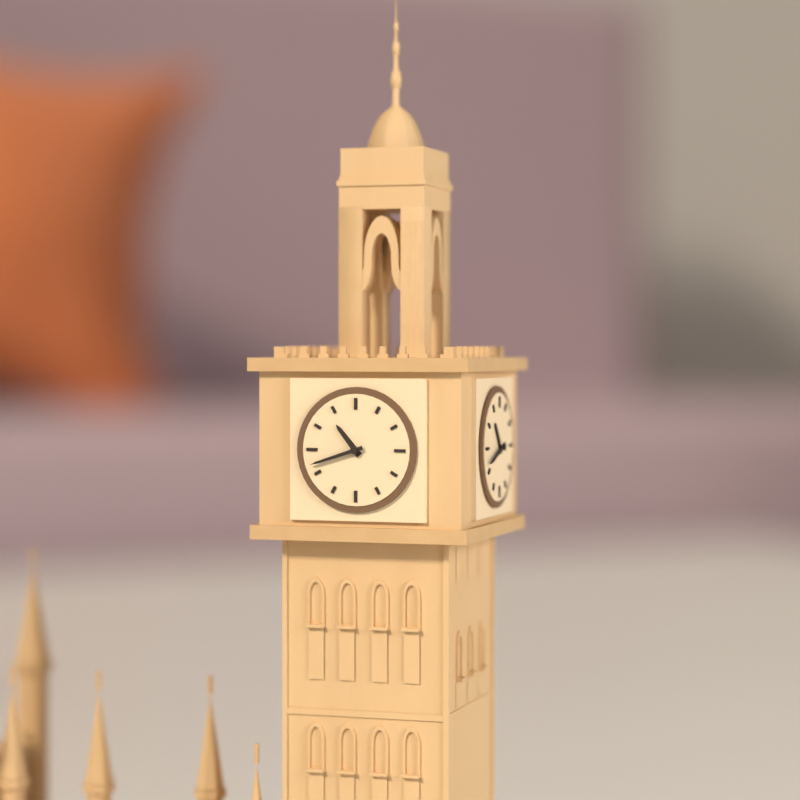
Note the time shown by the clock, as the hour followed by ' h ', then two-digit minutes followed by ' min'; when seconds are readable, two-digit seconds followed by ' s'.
10 h 42 min
